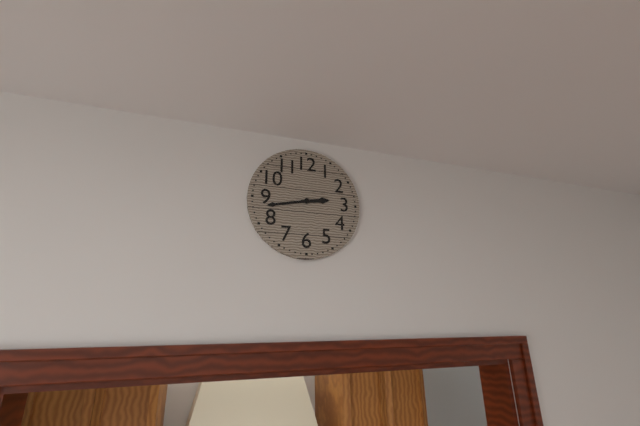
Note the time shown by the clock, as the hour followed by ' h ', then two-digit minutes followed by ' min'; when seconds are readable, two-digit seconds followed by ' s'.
2 h 43 min
